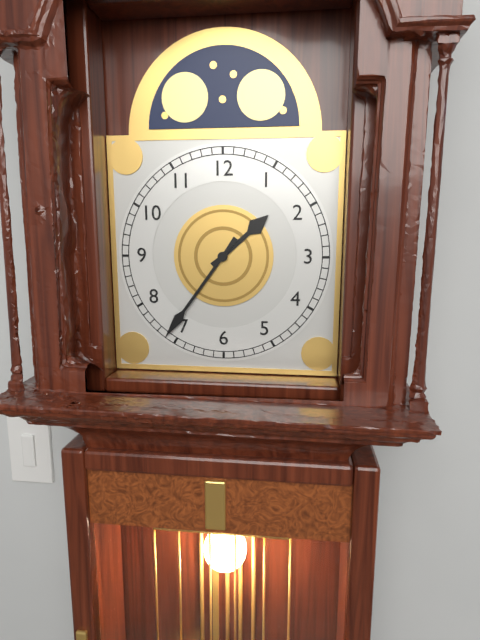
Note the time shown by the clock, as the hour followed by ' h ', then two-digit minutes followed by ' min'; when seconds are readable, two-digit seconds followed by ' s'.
1 h 36 min
